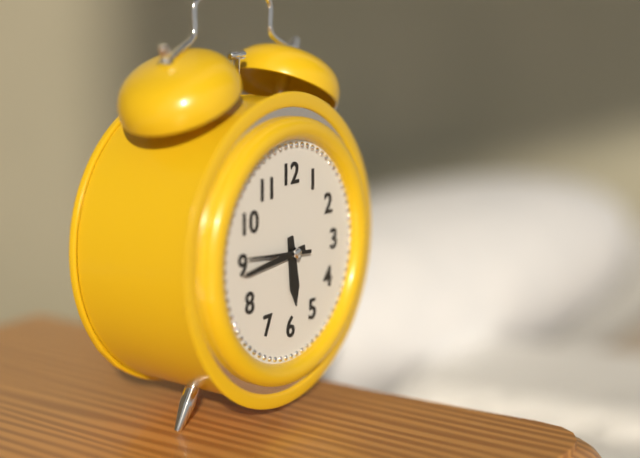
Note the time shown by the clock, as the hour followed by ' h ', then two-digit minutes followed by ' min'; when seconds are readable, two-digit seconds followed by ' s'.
5 h 44 min 46 s
